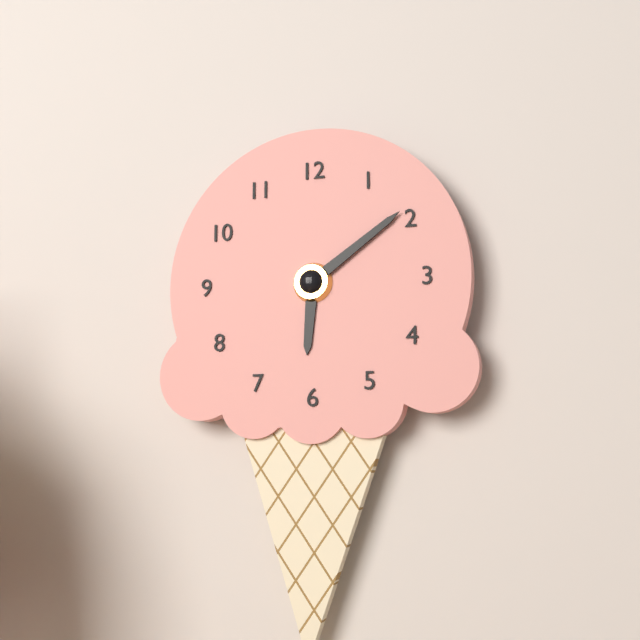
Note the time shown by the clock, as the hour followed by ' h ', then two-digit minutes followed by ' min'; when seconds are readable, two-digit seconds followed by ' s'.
6 h 09 min
